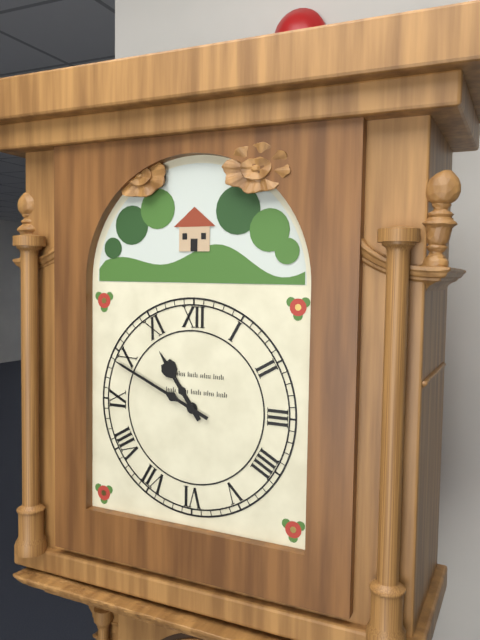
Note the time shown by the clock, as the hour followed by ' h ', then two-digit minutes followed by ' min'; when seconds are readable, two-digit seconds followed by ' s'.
10 h 49 min
